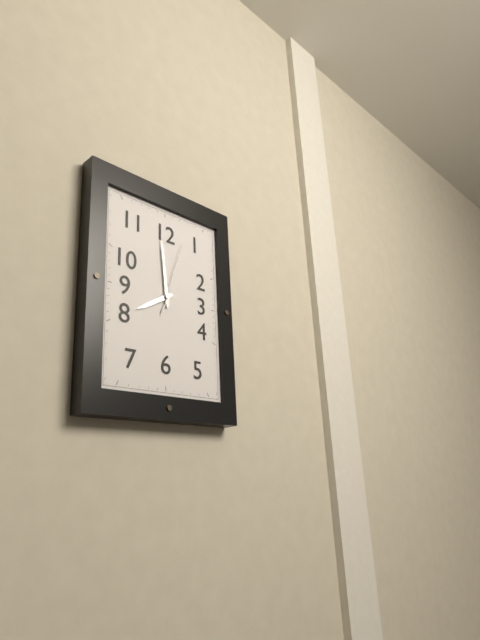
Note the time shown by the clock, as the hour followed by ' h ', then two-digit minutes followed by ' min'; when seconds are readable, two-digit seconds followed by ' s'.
7 h 59 min 03 s
